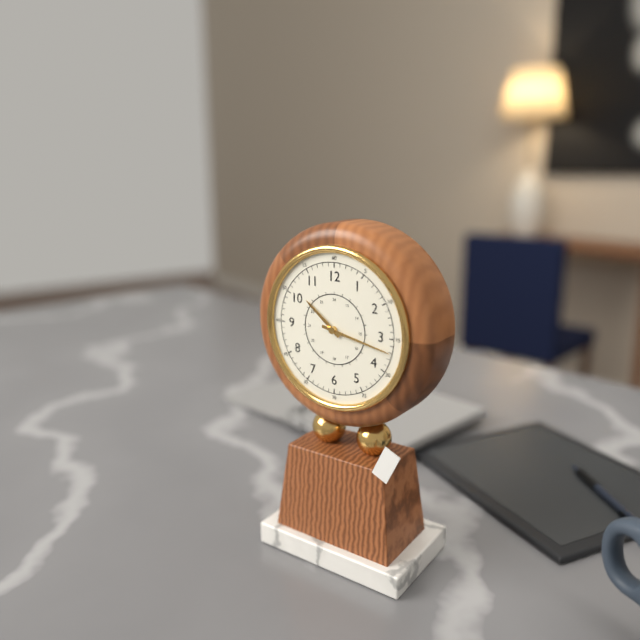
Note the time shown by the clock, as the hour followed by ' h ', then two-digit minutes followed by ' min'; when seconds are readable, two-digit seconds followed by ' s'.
10 h 17 min
